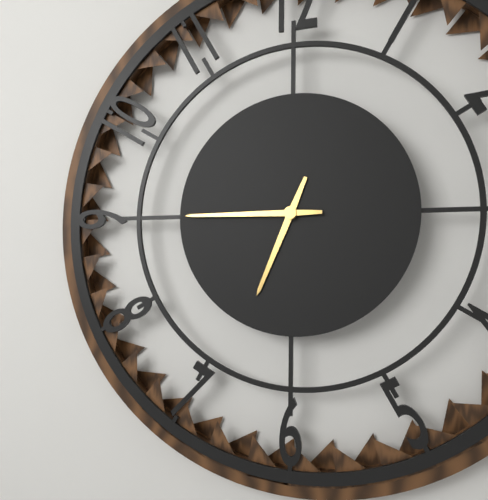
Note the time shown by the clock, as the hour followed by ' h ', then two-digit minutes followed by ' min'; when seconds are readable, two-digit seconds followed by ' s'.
6 h 45 min
